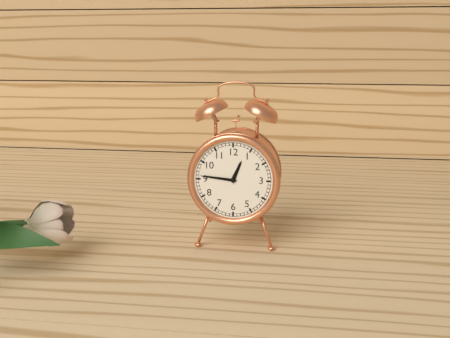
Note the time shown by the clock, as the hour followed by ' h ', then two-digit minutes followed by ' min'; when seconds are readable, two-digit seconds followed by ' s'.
12 h 46 min
